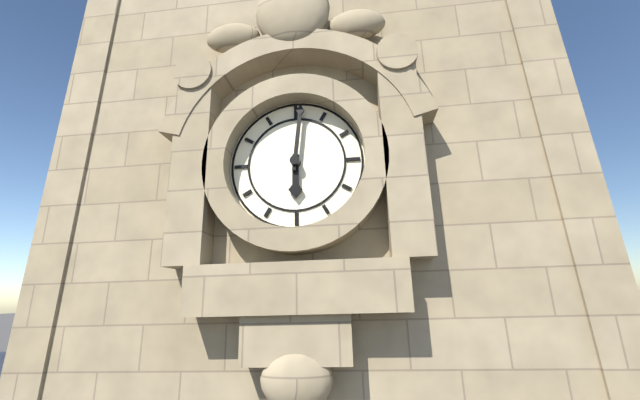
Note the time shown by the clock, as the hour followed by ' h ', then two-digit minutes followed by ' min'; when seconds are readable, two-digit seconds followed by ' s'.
6 h 01 min
